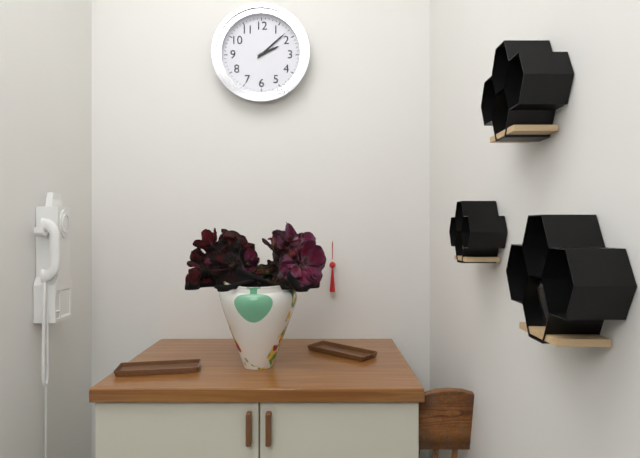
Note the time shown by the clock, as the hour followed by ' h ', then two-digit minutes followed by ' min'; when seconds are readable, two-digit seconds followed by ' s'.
2 h 08 min
